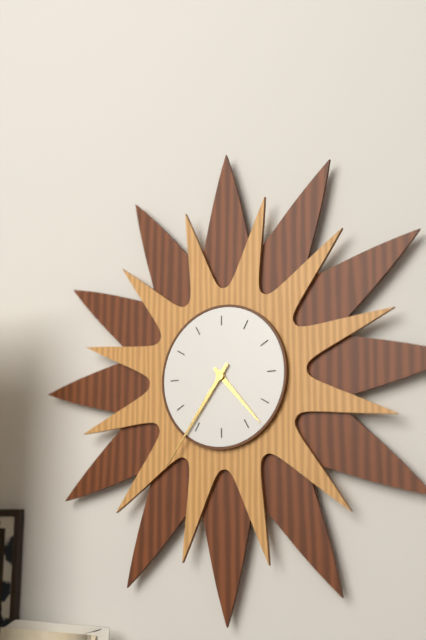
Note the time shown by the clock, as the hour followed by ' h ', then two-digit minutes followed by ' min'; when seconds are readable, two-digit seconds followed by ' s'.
4 h 36 min
